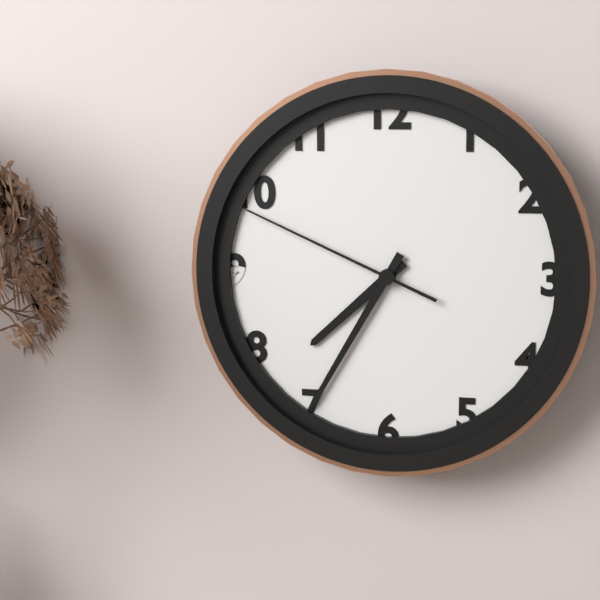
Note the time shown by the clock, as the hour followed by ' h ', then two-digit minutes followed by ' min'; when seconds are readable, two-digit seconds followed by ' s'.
7 h 35 min 49 s
